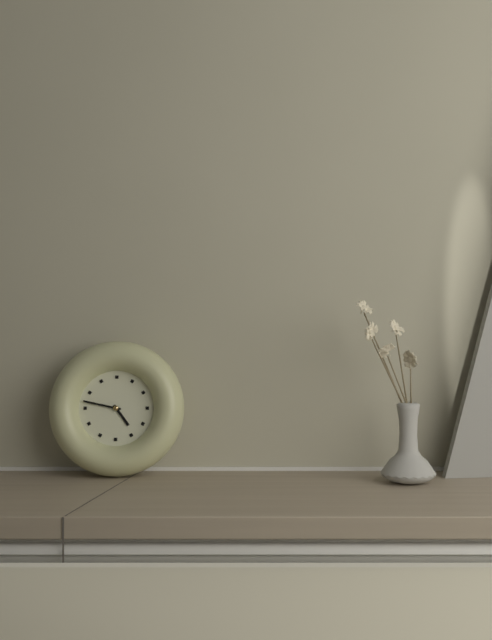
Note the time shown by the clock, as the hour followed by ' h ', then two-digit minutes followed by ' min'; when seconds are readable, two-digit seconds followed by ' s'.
4 h 47 min
